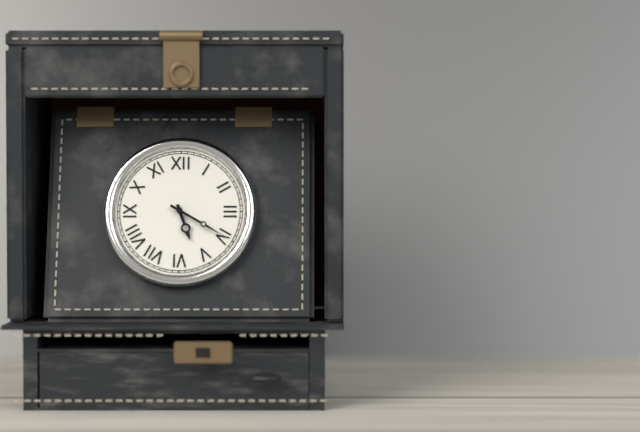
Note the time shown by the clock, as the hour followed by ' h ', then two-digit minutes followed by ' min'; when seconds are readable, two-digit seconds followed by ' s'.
5 h 20 min
